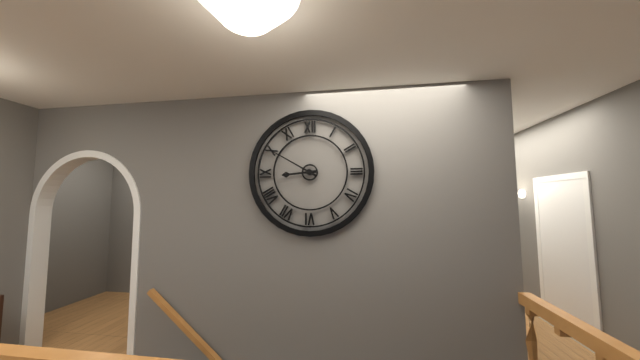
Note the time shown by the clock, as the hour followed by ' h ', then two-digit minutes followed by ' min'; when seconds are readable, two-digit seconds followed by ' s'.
8 h 50 min
